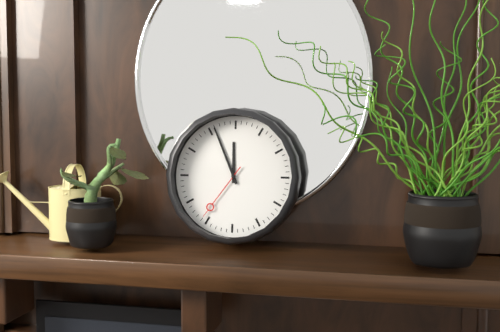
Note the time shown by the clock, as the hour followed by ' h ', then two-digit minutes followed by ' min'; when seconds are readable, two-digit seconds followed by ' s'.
11 h 56 min 36 s
